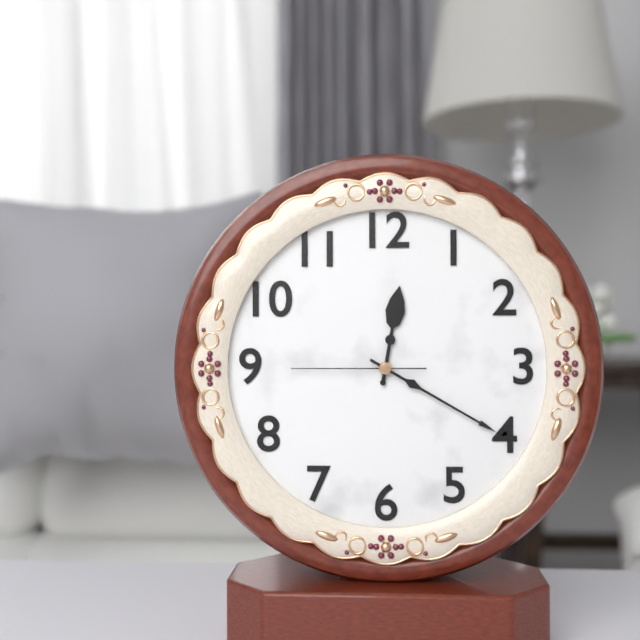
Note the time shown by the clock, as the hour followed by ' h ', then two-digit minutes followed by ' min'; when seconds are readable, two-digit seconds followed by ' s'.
12 h 20 min 45 s
